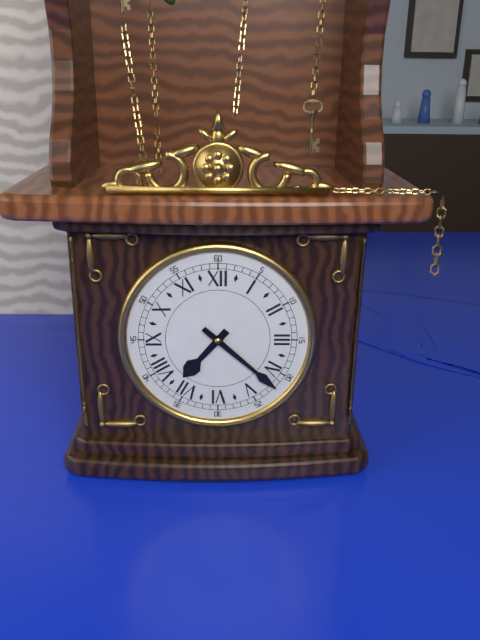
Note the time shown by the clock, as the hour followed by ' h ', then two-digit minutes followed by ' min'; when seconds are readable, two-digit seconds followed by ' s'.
7 h 22 min
